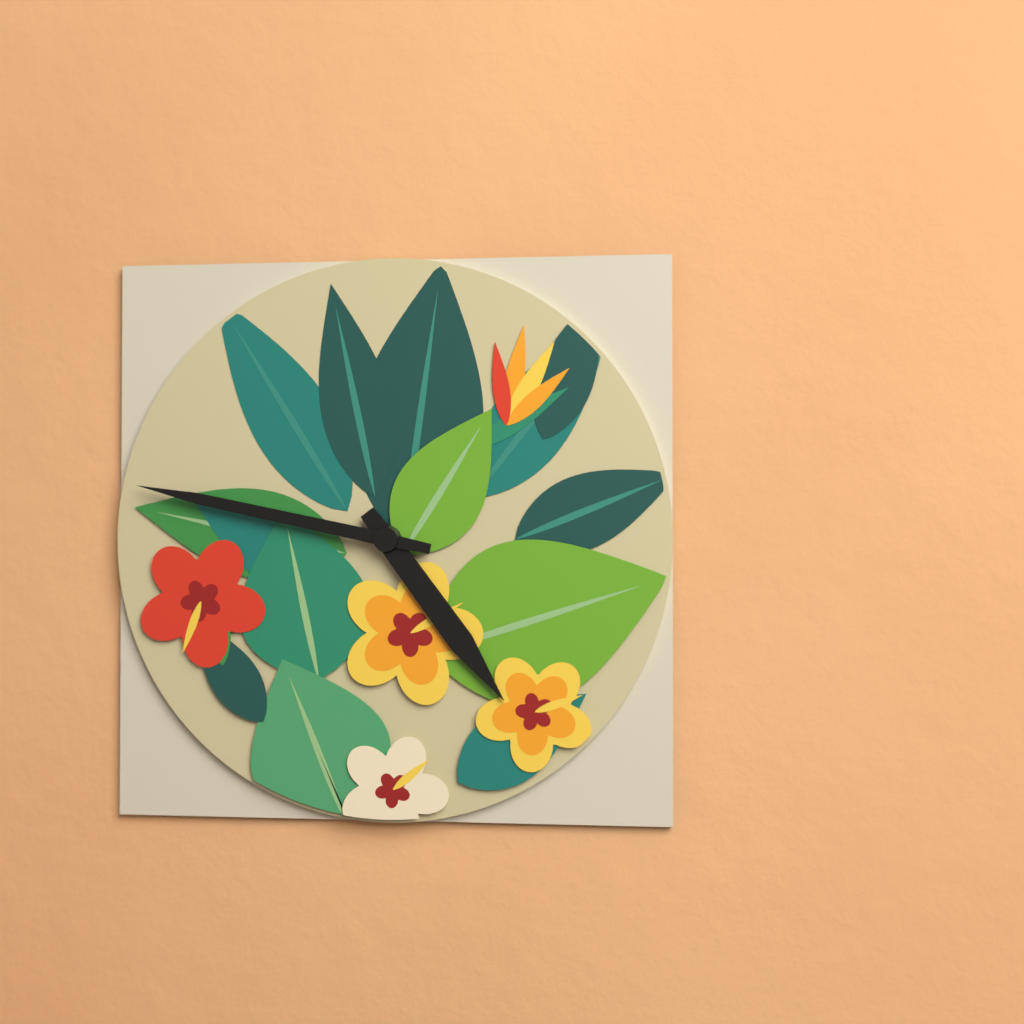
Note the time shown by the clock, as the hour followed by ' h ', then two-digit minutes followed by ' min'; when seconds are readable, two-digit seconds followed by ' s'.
4 h 47 min
